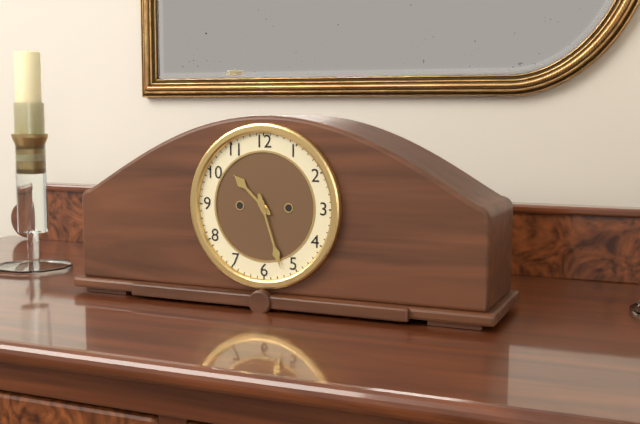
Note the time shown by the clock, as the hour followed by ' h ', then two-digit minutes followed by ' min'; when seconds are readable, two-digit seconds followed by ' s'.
10 h 27 min
